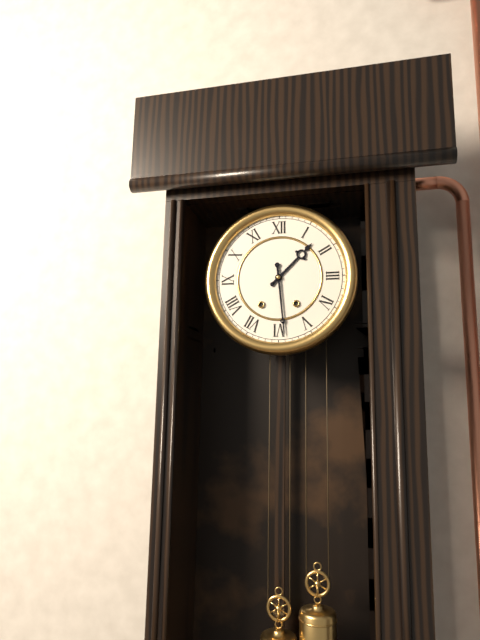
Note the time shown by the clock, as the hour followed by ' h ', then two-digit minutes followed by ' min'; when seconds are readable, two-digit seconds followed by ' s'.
1 h 29 min
